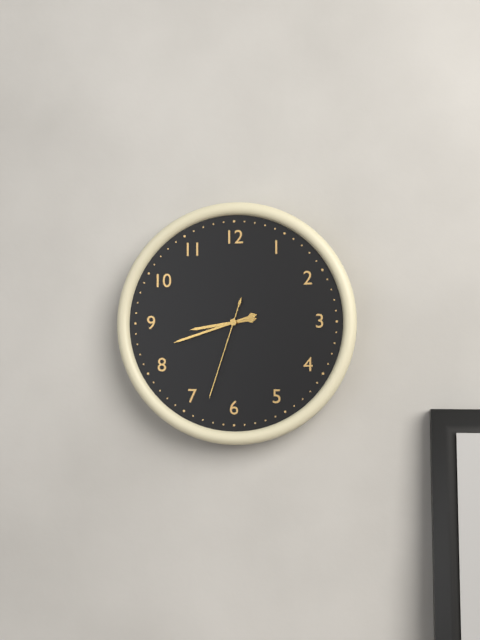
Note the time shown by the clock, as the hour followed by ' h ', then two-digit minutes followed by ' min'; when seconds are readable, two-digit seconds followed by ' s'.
8 h 42 min 33 s
